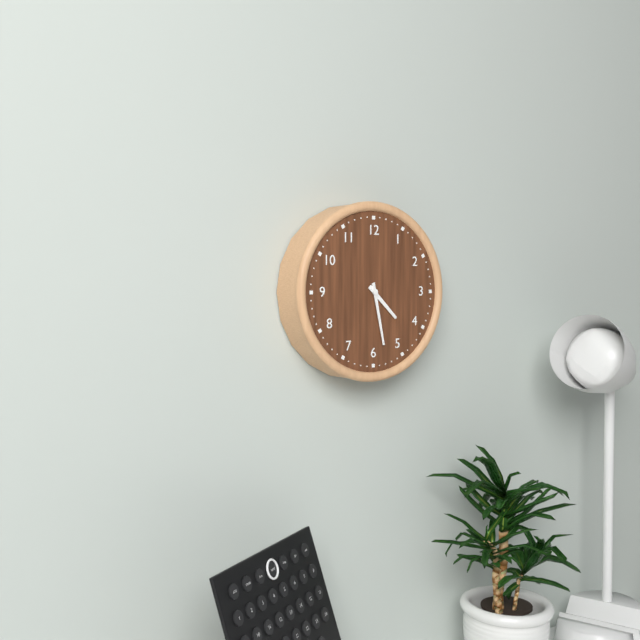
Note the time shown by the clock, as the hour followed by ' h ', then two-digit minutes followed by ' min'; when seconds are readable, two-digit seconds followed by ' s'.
4 h 28 min
